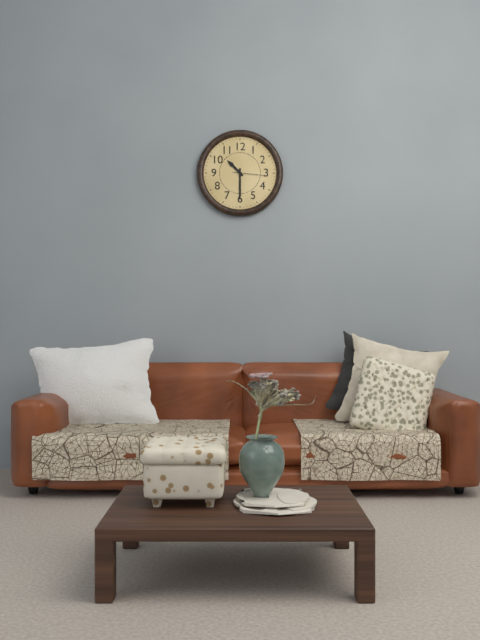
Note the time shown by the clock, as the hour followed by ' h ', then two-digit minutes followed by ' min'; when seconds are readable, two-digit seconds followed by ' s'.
10 h 30 min
